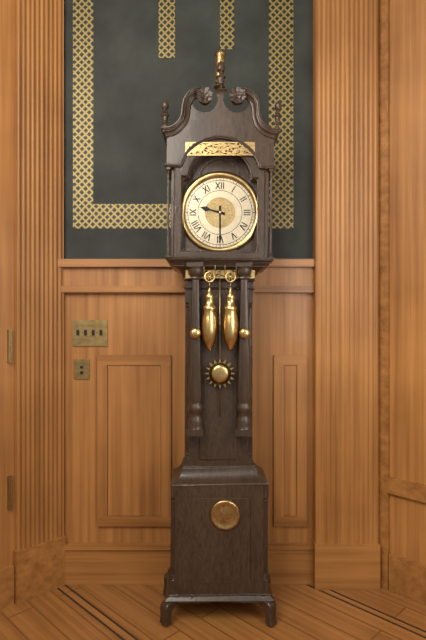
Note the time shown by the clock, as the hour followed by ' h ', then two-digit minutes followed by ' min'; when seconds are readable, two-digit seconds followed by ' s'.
9 h 30 min
